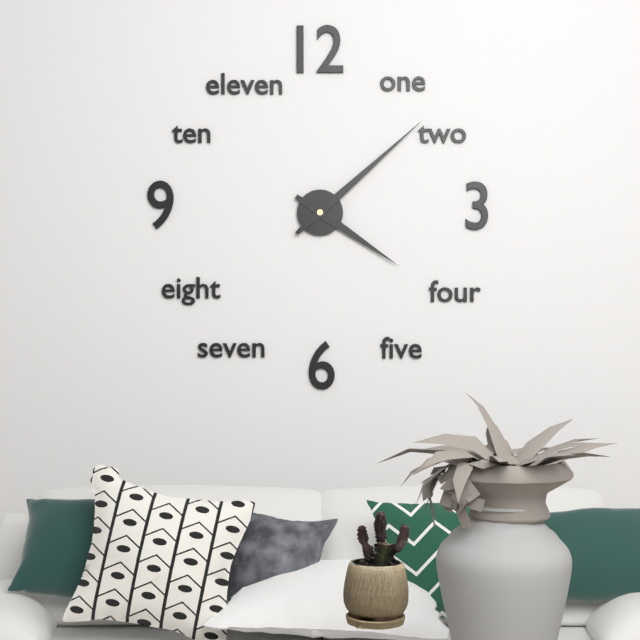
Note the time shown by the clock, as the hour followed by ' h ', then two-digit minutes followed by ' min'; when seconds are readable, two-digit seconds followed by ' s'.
4 h 08 min
